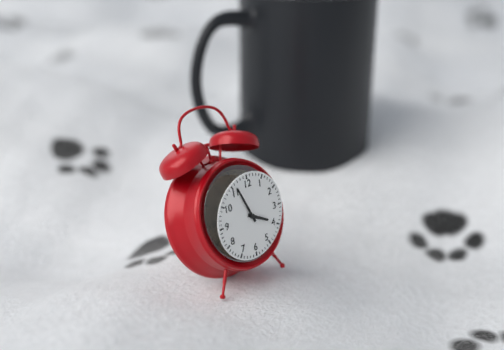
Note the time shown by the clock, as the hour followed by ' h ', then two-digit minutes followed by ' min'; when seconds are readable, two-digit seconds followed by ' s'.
3 h 56 min
